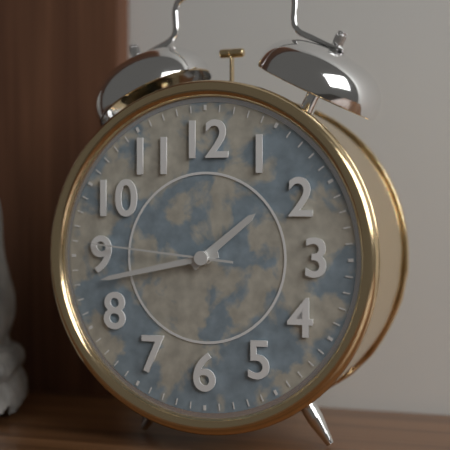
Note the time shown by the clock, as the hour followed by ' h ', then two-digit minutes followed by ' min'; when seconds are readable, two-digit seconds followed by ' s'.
1 h 43 min 46 s
